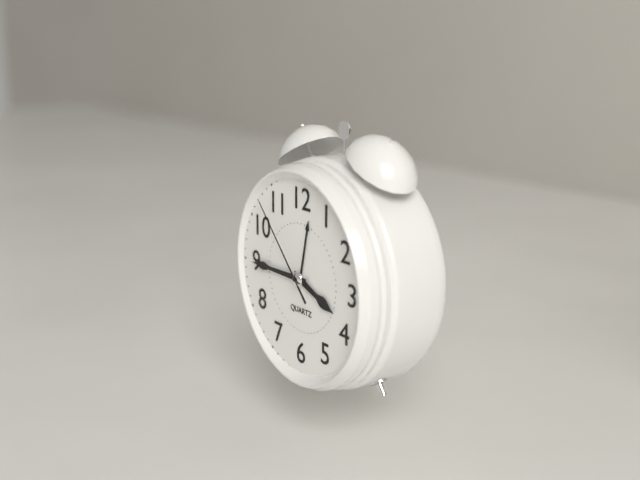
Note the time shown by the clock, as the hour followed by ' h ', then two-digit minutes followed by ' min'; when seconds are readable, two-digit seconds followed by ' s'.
3 h 45 min 53 s
